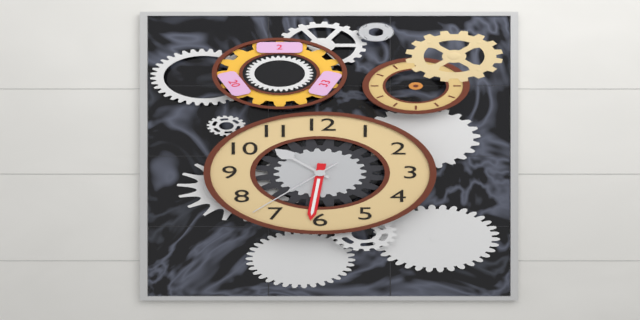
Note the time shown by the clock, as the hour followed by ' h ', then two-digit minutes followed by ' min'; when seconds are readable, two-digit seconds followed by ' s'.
10 h 31 min 37 s
